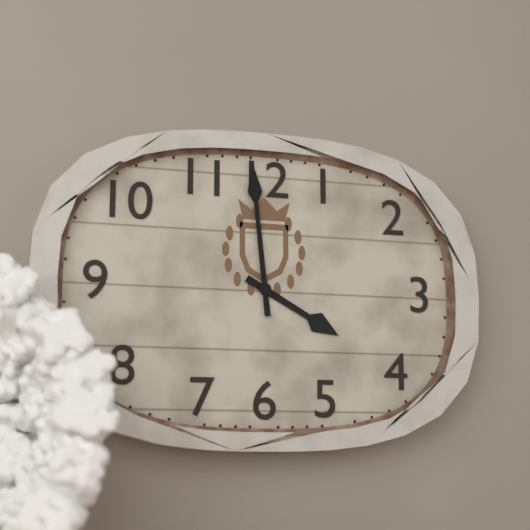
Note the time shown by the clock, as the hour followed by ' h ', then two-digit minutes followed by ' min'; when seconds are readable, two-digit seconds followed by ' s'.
3 h 59 min
